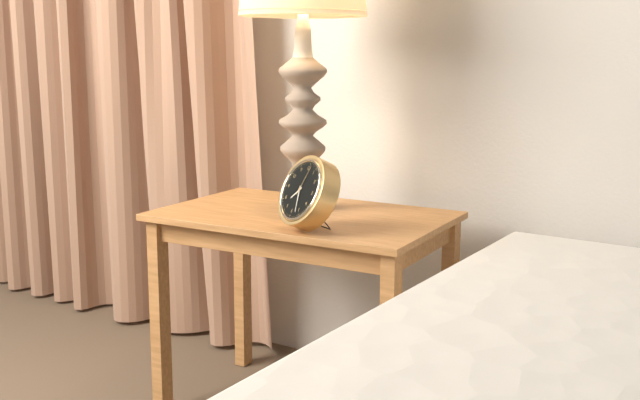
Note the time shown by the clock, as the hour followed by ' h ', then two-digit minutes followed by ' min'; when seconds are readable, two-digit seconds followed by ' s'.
7 h 27 min
